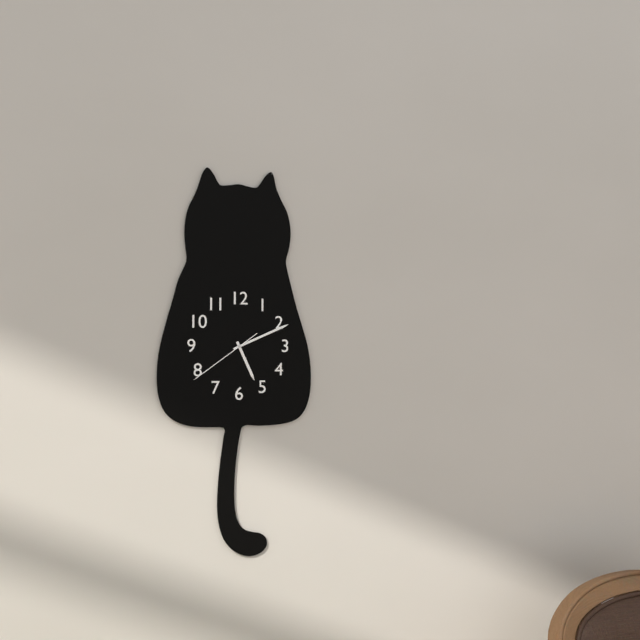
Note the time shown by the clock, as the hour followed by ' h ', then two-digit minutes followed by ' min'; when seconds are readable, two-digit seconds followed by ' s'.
5 h 11 min 39 s
